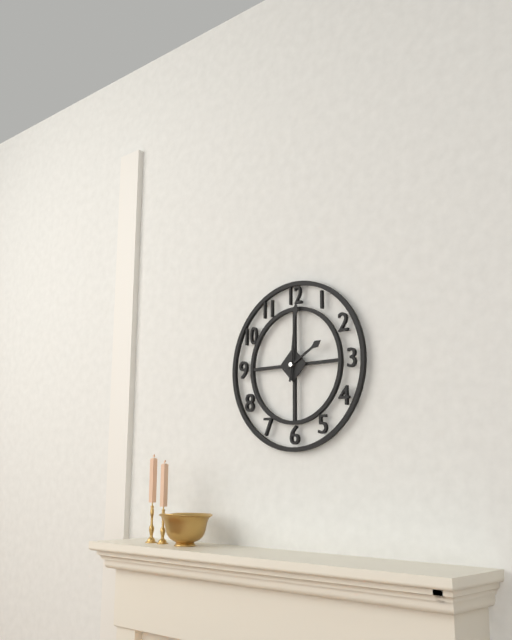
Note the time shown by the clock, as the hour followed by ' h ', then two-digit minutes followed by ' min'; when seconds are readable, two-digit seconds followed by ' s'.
2 h 01 min
